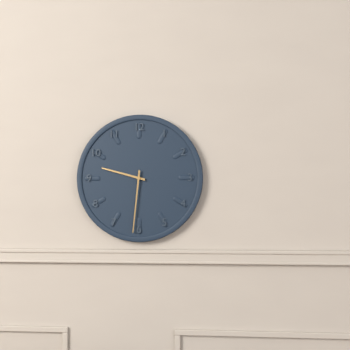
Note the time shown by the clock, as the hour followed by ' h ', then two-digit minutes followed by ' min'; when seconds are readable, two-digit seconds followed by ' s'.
9 h 31 min
